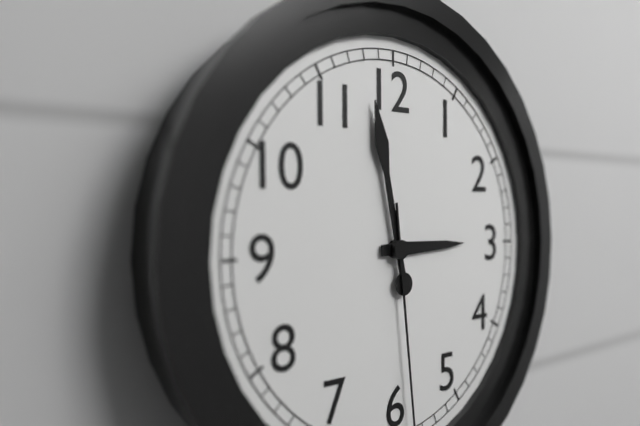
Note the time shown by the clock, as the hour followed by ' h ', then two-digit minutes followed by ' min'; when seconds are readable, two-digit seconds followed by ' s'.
2 h 58 min
